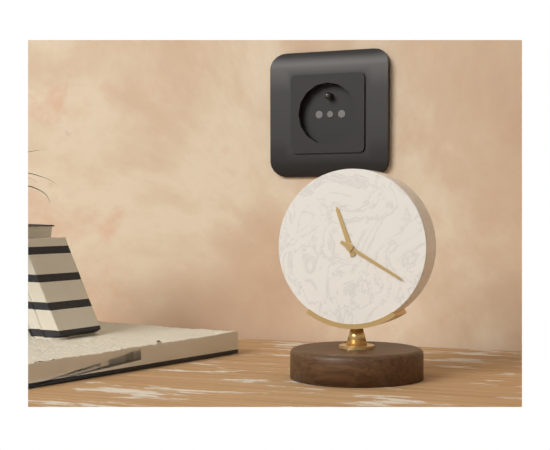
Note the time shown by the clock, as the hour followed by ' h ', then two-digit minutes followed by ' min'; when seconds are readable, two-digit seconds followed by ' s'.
11 h 20 min
